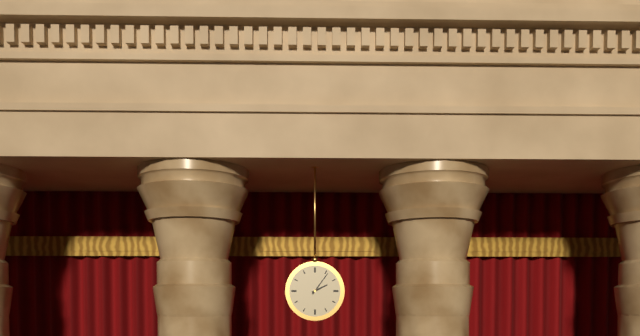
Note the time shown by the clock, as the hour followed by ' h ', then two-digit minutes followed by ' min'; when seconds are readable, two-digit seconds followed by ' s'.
2 h 06 min
